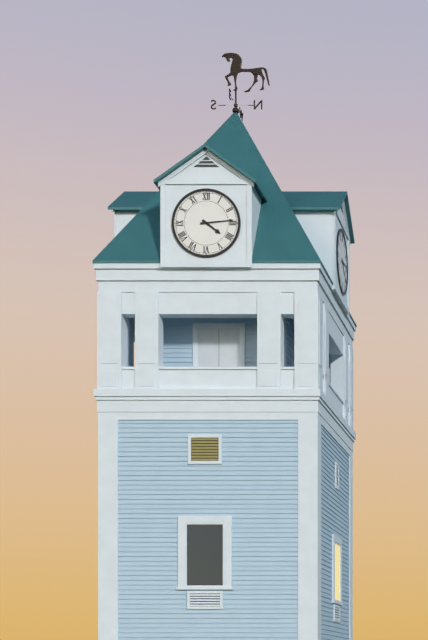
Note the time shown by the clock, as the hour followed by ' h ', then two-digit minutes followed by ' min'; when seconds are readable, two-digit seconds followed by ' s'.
4 h 14 min
